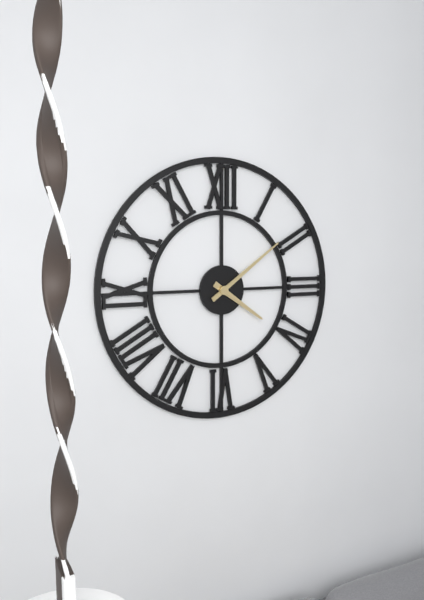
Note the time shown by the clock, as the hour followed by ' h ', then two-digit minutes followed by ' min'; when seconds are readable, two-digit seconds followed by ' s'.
4 h 09 min
